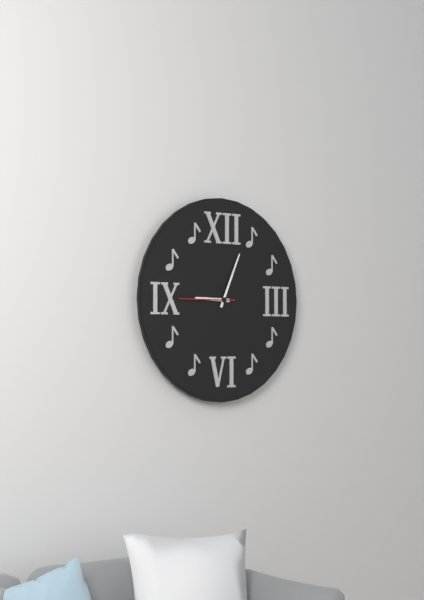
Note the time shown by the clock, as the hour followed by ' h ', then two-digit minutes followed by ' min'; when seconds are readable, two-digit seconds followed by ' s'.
9 h 04 min 45 s
